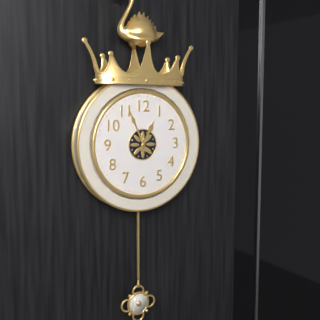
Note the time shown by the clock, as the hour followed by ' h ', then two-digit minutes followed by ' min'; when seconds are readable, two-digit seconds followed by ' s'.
12 h 56 min
